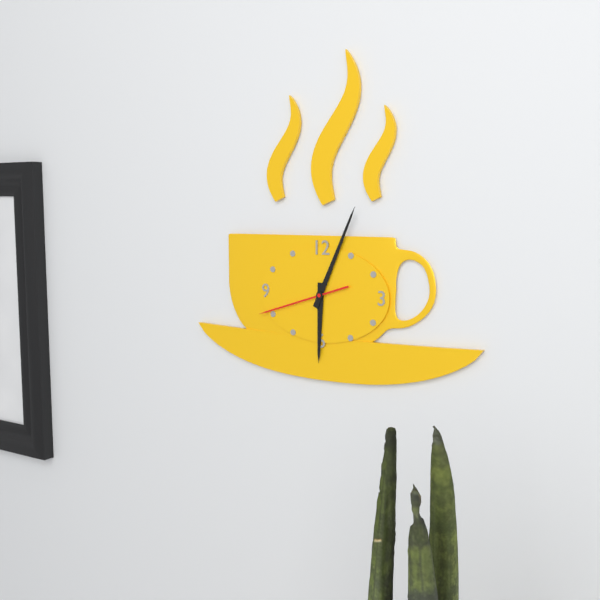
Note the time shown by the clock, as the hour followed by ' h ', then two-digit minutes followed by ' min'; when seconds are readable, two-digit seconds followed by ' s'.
6 h 04 min 42 s
